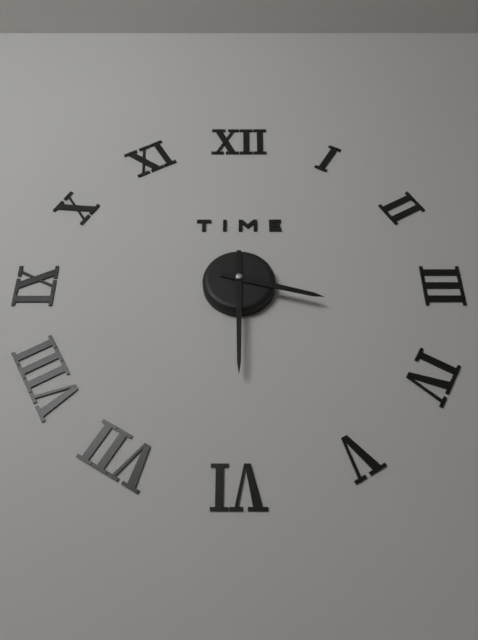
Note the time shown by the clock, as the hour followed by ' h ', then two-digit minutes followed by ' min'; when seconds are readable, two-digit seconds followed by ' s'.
3 h 30 min
